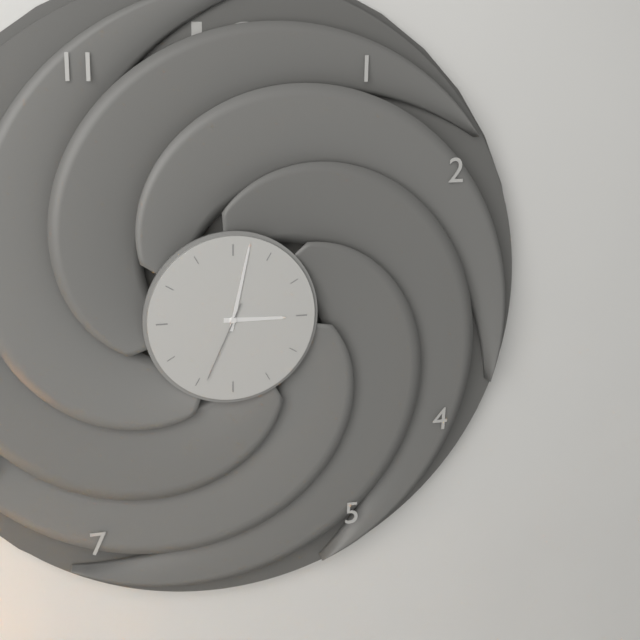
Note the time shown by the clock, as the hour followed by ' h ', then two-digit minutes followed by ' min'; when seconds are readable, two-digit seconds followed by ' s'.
3 h 02 min 34 s
